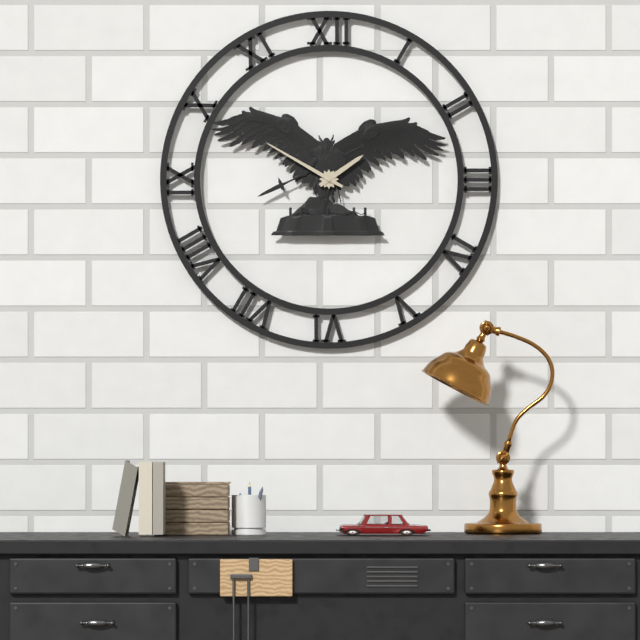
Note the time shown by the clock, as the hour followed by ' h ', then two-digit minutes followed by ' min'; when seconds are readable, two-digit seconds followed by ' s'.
1 h 50 min
